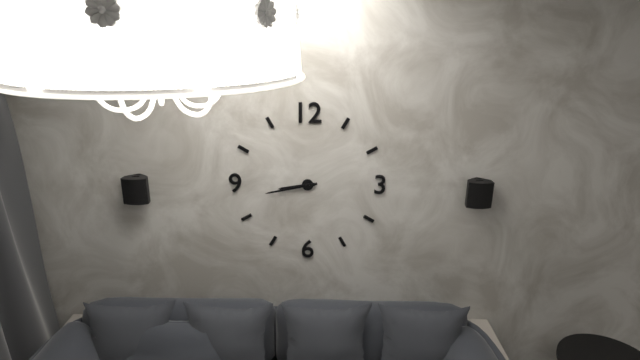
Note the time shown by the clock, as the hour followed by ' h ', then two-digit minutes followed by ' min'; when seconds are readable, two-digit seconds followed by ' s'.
8 h 43 min
